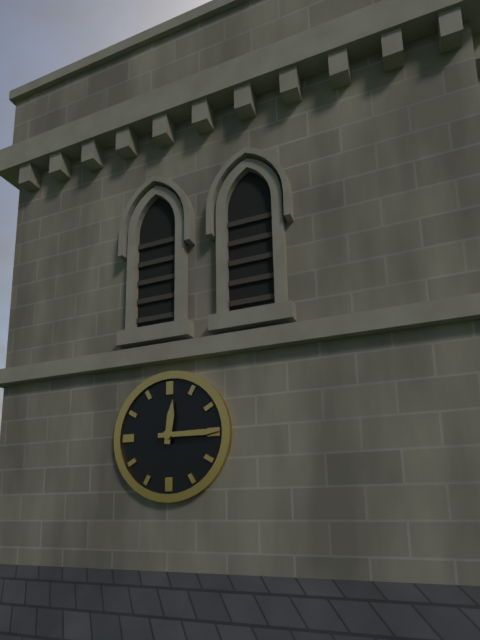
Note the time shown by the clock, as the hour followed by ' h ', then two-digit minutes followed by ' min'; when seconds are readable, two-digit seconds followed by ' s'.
12 h 15 min
